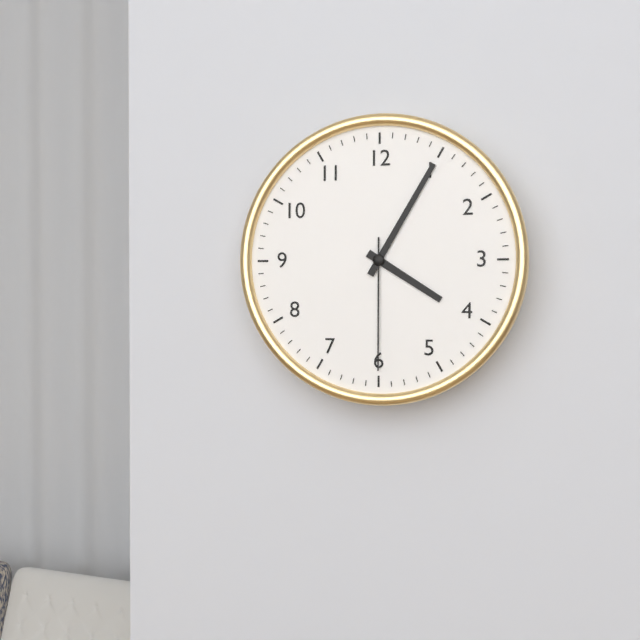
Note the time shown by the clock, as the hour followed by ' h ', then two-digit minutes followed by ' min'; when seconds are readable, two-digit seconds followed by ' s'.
4 h 05 min 30 s
